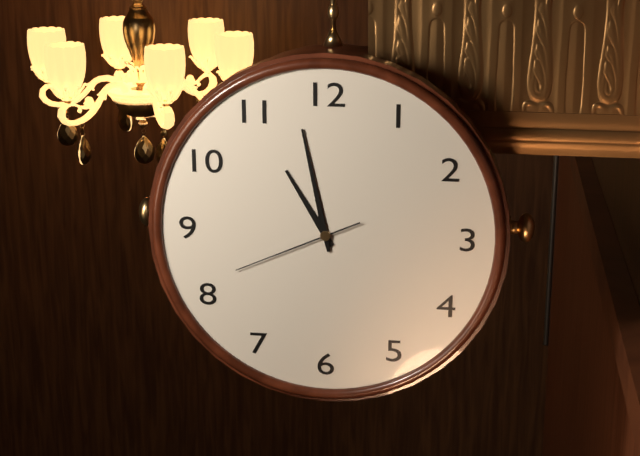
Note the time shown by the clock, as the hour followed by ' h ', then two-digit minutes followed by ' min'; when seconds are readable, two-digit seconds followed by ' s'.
10 h 58 min 41 s
